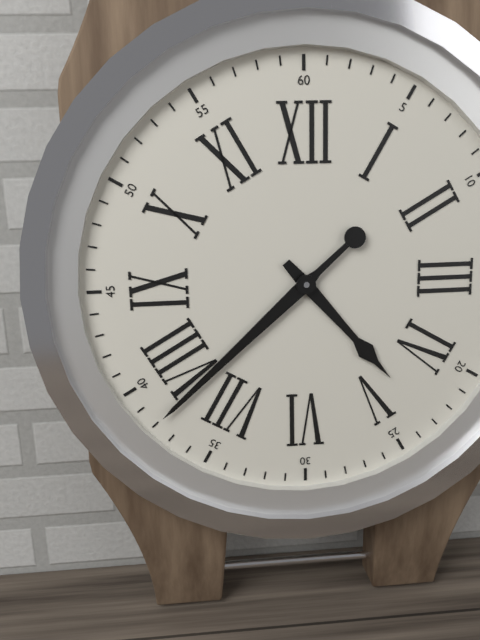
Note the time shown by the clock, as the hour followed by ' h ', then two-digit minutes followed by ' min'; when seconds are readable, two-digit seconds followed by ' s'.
4 h 38 min
